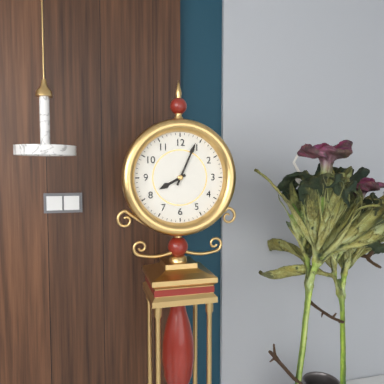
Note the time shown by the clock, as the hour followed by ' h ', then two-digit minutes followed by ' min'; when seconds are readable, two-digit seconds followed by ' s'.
8 h 04 min
